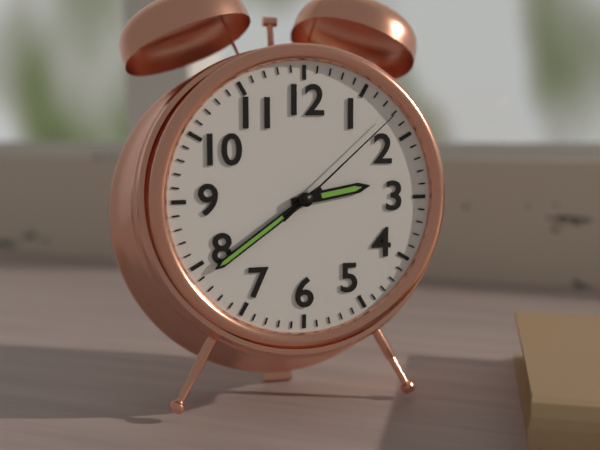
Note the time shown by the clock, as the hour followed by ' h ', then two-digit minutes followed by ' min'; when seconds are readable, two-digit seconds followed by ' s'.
2 h 39 min 08 s
